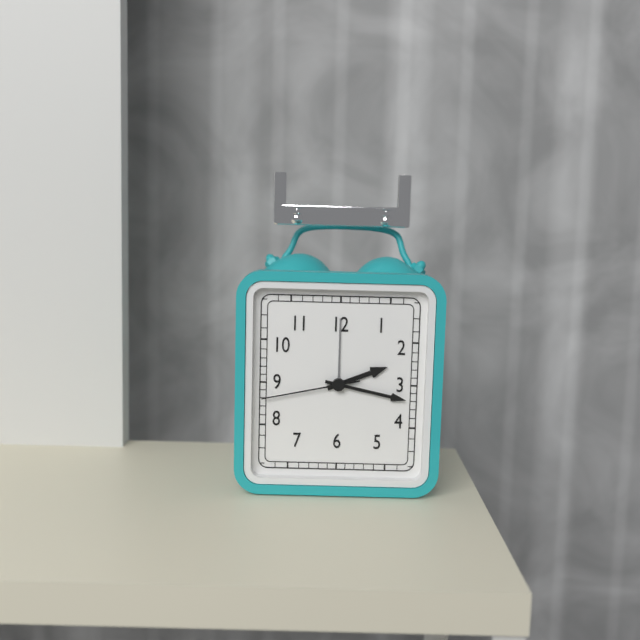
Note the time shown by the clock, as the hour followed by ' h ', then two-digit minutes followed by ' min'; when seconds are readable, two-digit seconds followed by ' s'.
2 h 17 min 43 s
